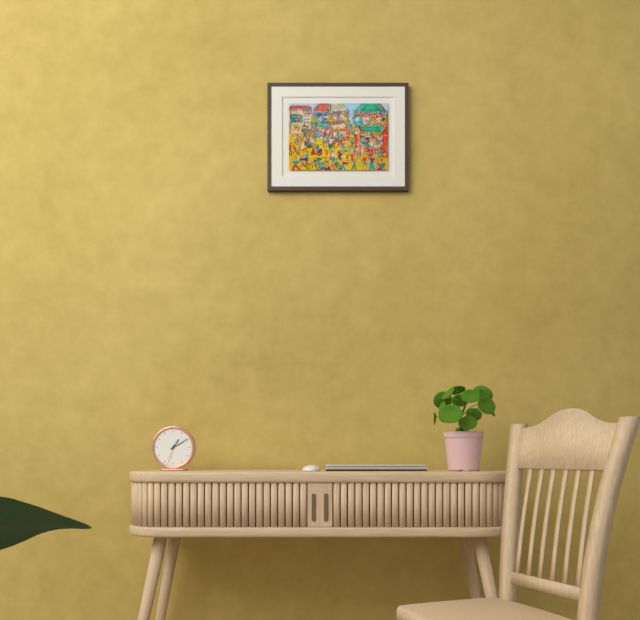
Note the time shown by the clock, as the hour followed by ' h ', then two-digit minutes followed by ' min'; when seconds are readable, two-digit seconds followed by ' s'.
1 h 10 min
